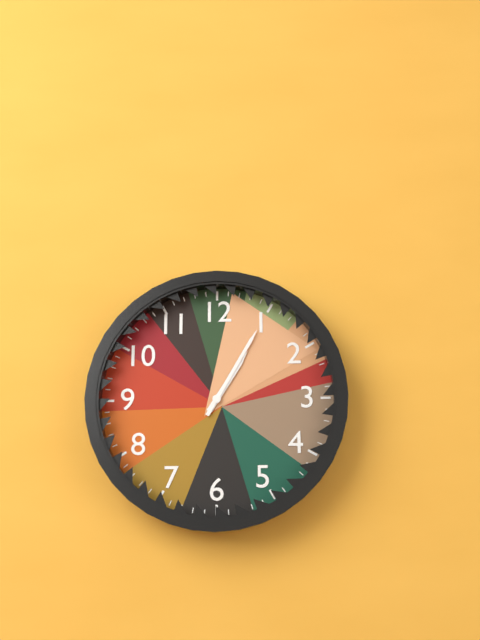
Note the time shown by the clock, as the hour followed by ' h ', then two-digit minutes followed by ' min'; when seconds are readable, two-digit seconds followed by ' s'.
1 h 05 min
